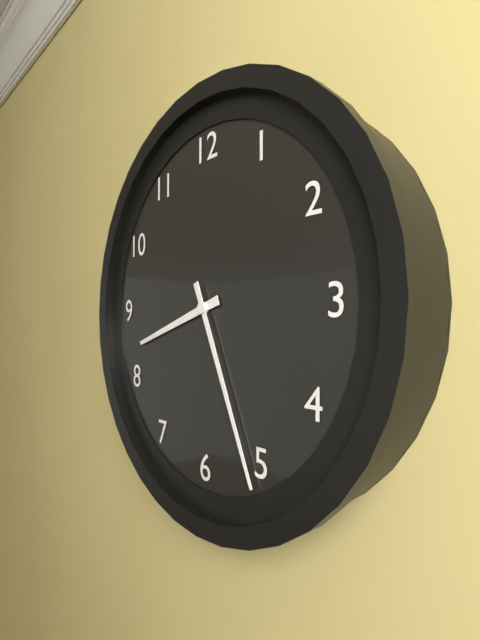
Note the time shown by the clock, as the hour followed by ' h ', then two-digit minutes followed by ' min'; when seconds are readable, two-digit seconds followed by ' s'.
8 h 26 min
